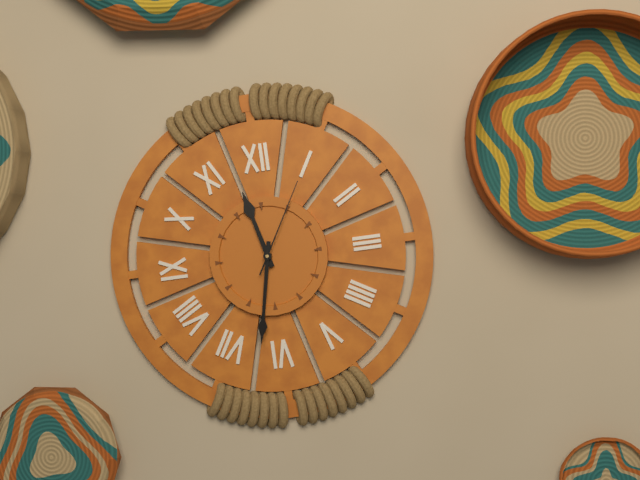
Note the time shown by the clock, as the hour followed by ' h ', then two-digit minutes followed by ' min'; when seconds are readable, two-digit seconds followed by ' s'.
11 h 32 min 05 s
